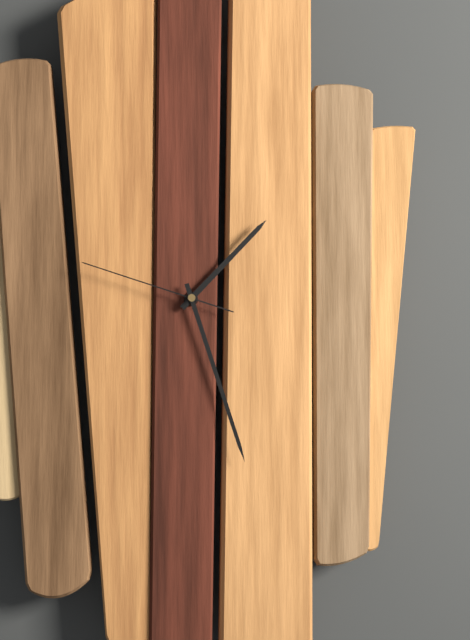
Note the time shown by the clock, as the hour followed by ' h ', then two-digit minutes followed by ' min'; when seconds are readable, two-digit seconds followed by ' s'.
1 h 27 min 48 s
